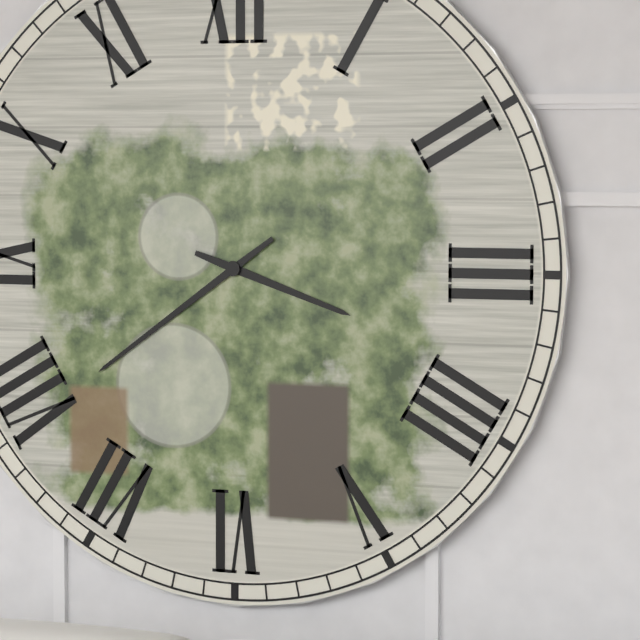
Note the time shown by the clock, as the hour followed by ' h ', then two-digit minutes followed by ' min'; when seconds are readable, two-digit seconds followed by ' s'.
3 h 39 min
